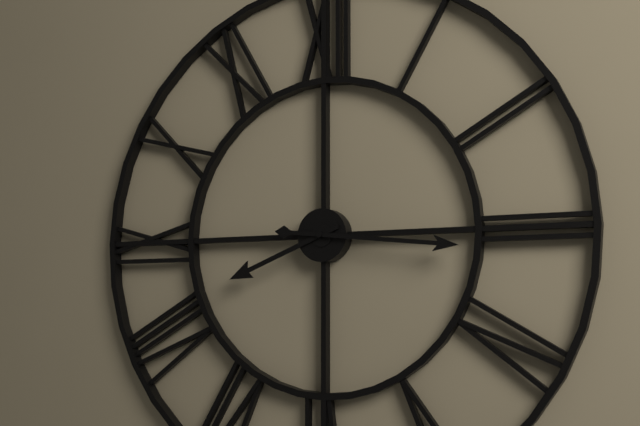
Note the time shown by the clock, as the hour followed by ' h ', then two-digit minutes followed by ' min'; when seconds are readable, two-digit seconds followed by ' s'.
8 h 16 min
